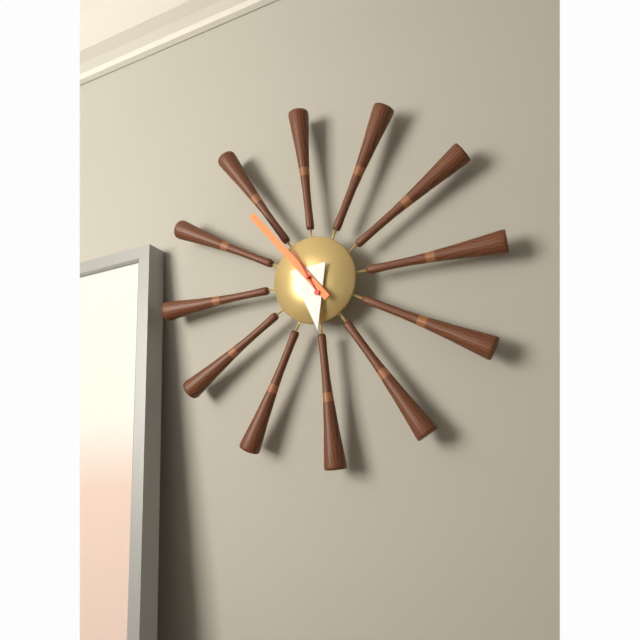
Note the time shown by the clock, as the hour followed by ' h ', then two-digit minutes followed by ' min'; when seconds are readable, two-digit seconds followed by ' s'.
5 h 54 min 56 s
